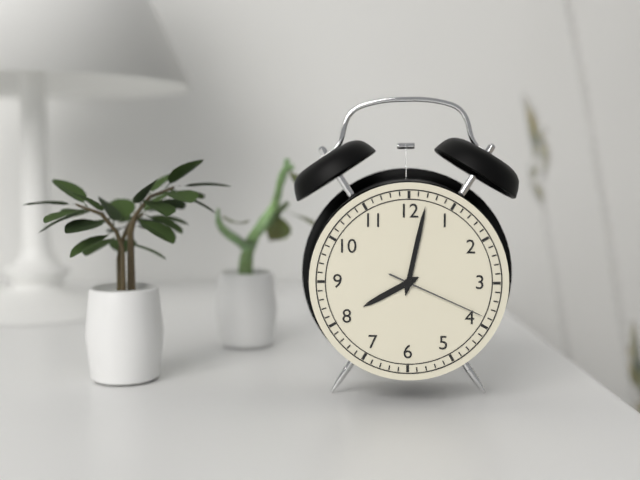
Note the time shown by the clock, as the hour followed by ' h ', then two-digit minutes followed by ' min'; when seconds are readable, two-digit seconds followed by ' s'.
8 h 02 min 19 s
